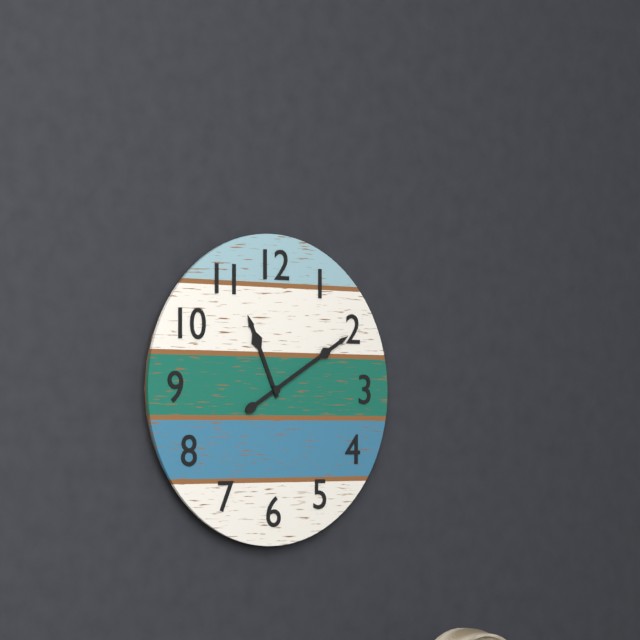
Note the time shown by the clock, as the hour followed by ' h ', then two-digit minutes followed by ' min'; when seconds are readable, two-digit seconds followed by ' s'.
11 h 10 min
